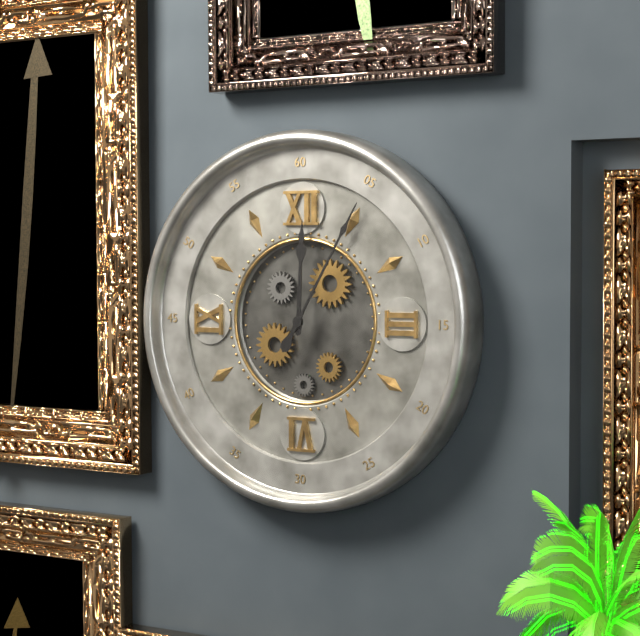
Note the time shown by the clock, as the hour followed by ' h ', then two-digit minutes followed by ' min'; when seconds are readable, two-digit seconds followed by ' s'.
12 h 05 min
